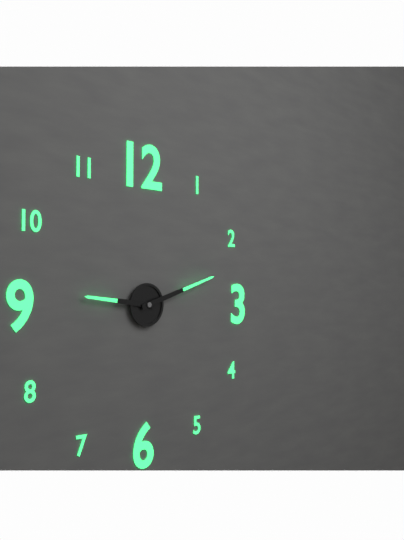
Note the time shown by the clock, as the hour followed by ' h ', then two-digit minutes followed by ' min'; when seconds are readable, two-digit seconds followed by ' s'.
9 h 12 min
